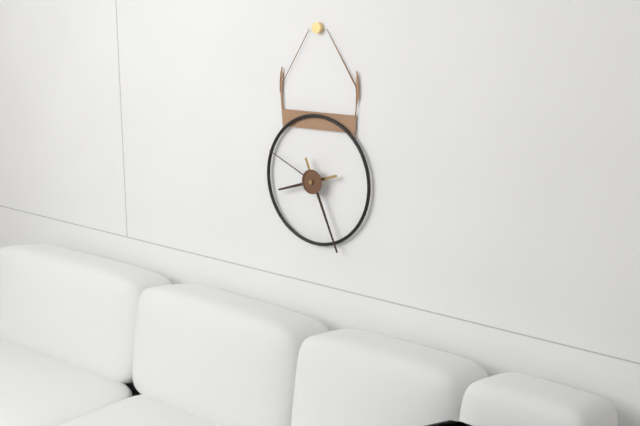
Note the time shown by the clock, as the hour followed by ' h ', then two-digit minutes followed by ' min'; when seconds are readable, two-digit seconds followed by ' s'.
8 h 26 min 49 s
